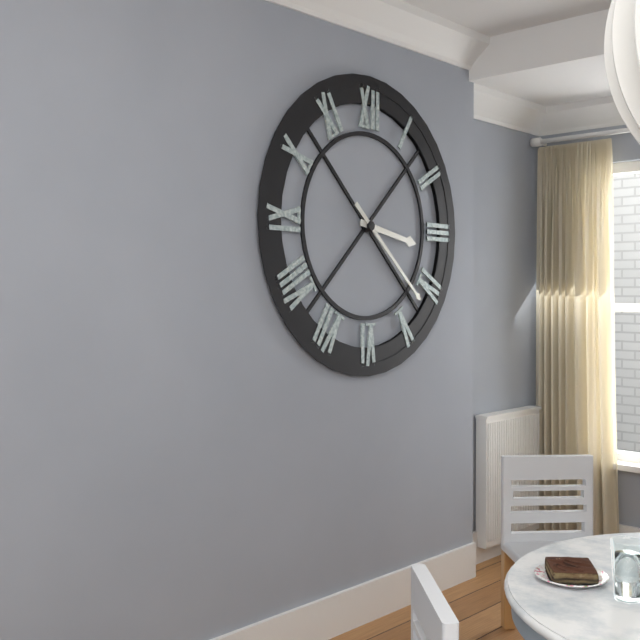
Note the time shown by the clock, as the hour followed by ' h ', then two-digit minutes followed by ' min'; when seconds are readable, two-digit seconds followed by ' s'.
3 h 22 min
